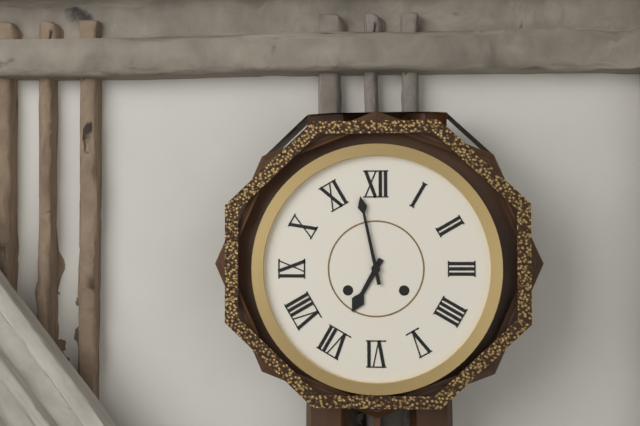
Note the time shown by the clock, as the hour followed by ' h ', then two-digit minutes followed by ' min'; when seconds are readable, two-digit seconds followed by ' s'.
6 h 58 min
